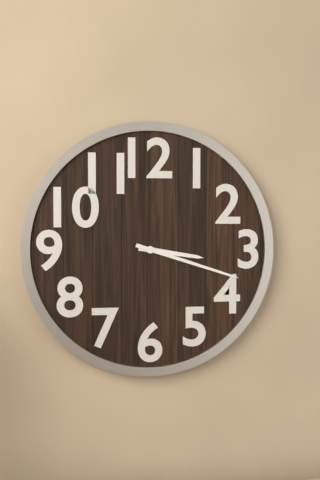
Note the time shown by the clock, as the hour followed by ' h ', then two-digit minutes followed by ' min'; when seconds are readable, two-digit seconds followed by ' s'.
3 h 18 min
